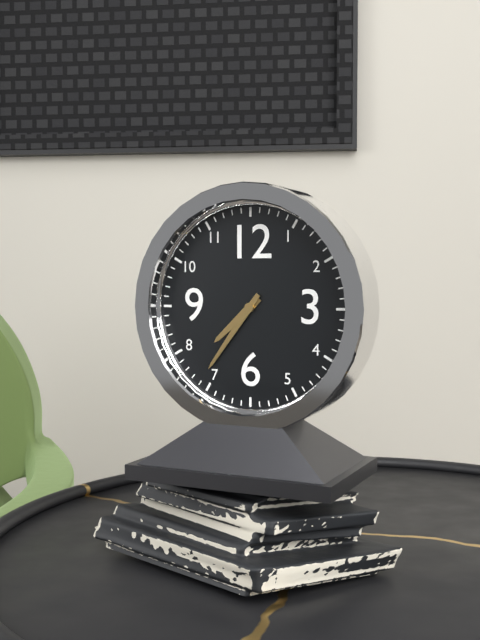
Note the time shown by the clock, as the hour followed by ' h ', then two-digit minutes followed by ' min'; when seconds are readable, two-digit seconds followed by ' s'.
7 h 36 min
